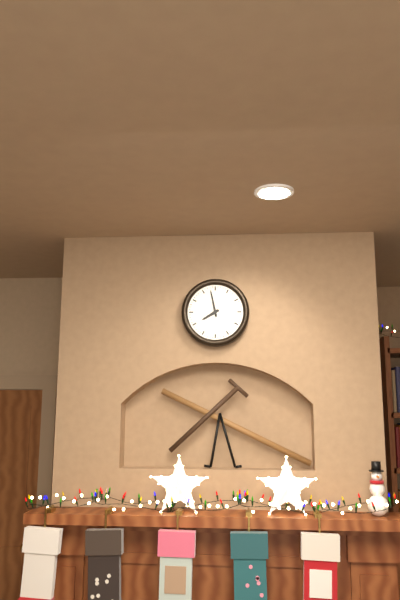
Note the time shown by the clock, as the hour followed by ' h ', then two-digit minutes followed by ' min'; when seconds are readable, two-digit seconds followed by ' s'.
7 h 58 min
